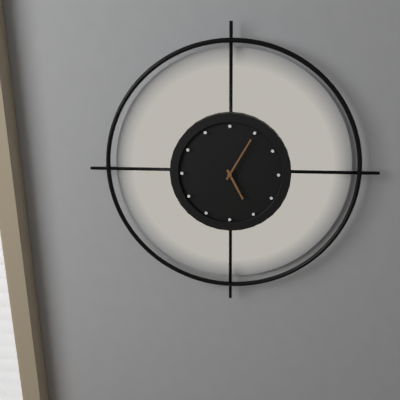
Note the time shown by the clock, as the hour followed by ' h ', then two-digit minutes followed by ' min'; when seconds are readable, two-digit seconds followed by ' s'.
5 h 05 min
